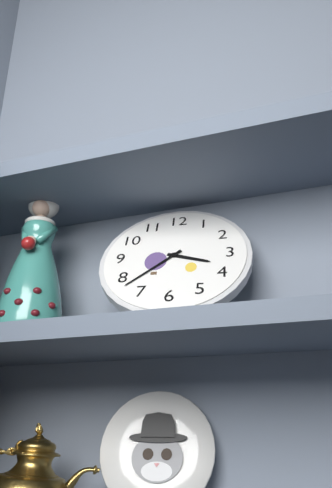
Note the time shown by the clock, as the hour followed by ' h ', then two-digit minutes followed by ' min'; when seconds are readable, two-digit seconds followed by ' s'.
3 h 38 min
